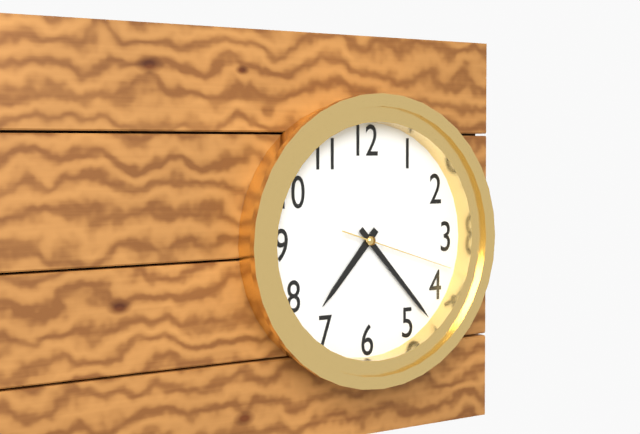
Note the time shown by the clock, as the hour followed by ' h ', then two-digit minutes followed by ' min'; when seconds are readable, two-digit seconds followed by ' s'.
7 h 23 min 18 s
